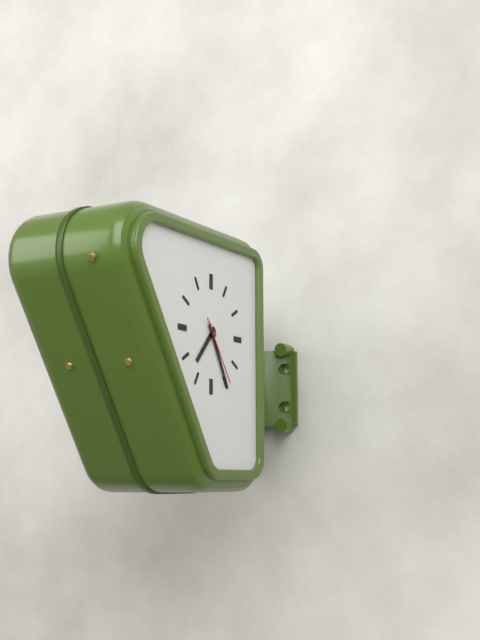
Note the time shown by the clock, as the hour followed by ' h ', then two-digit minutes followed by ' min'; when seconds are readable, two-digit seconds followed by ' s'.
7 h 25 min 24 s
